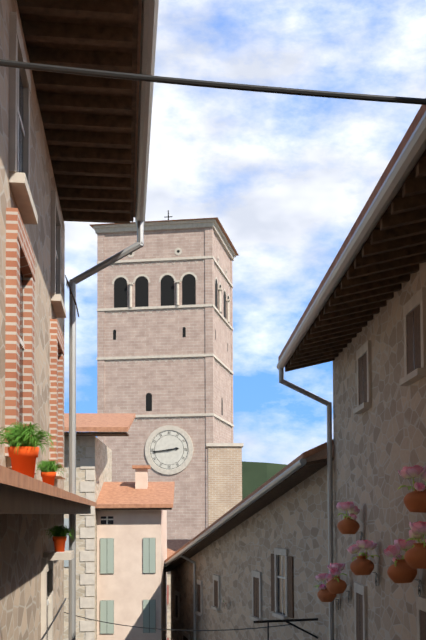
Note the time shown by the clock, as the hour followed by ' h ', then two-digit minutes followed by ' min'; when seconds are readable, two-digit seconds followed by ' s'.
2 h 44 min
